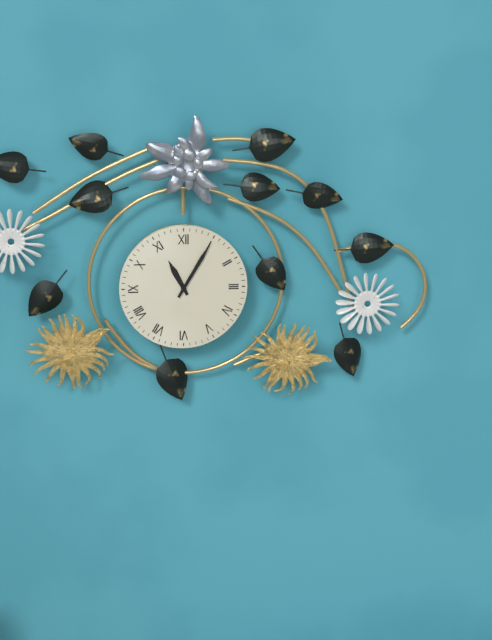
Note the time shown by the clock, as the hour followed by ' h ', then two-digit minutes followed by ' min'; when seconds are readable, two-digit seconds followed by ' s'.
11 h 05 min
